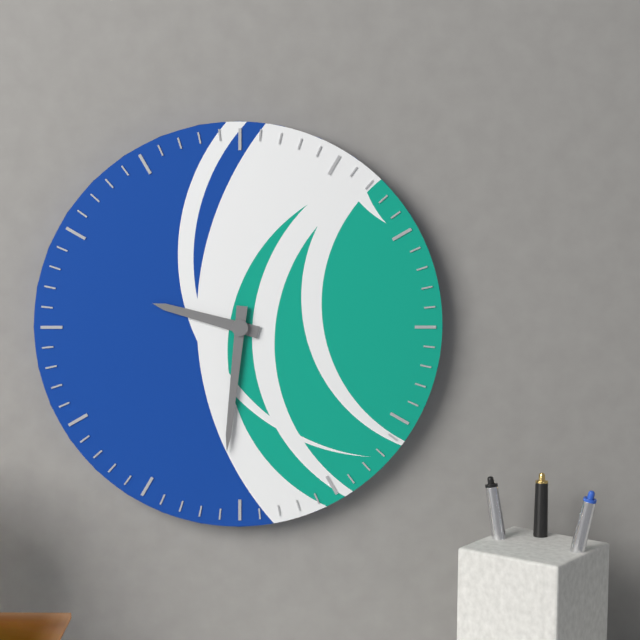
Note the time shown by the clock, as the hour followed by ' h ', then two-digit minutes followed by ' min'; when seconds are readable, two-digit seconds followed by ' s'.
9 h 31 min
